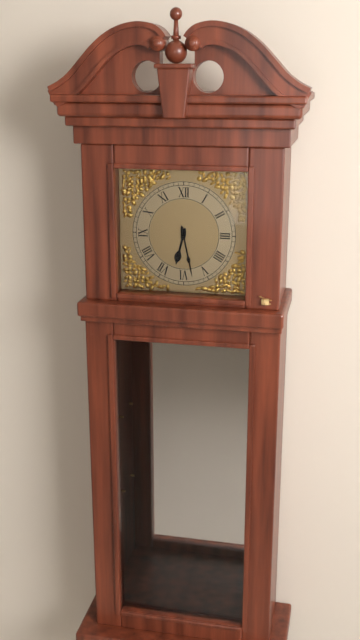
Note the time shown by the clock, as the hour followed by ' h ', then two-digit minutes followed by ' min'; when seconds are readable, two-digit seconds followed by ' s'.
6 h 28 min
